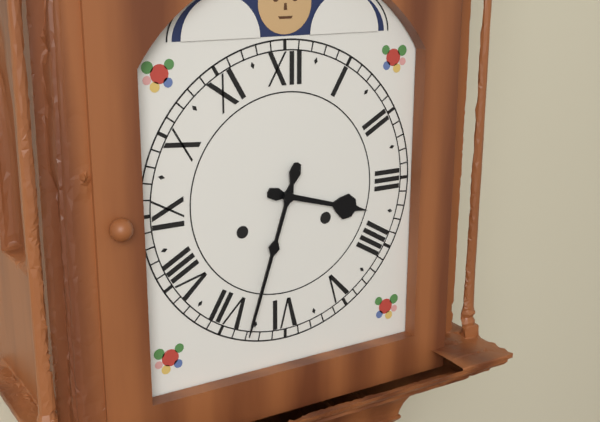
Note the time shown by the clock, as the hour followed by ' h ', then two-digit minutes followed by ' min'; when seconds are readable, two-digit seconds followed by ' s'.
3 h 33 min
